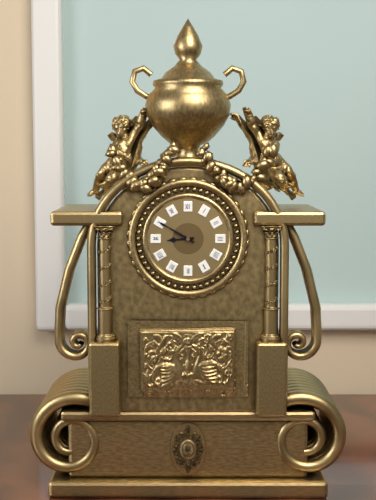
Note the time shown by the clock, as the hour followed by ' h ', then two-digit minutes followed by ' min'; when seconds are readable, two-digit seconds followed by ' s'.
8 h 50 min
